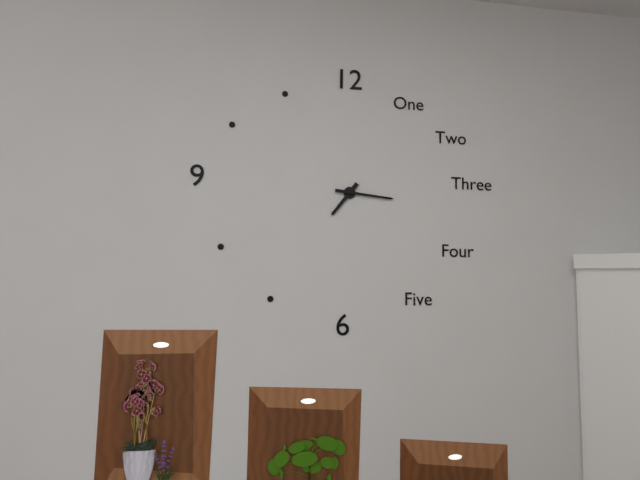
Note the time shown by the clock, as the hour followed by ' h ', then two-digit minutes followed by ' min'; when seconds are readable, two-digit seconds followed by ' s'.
7 h 16 min
